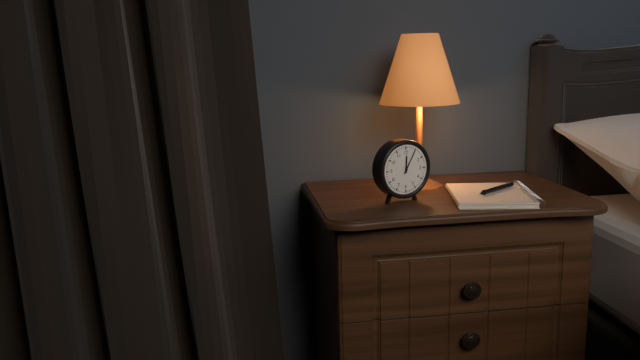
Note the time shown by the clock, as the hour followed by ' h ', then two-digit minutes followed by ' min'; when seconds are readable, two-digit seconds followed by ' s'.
12 h 05 min
